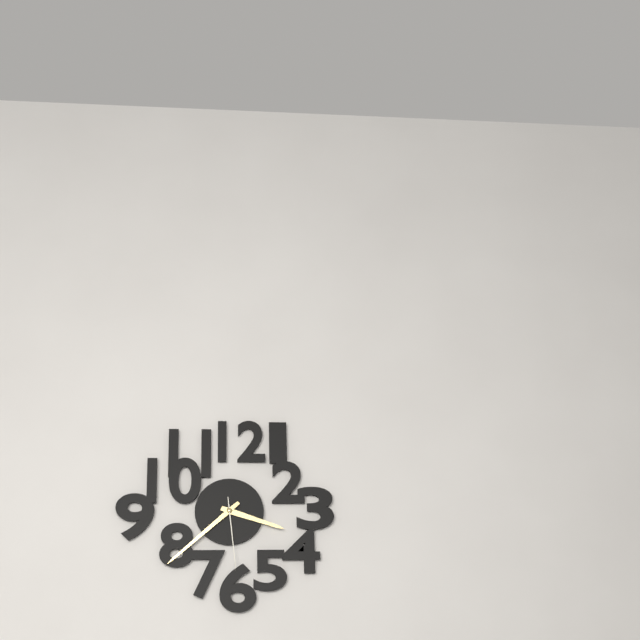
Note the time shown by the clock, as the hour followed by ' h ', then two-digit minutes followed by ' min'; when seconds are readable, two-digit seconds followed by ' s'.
3 h 38 min 29 s
